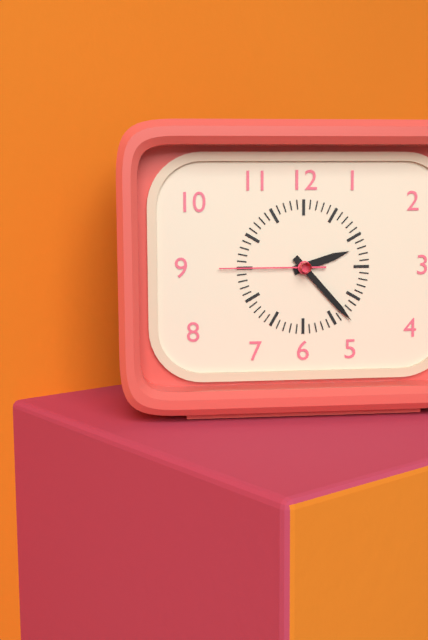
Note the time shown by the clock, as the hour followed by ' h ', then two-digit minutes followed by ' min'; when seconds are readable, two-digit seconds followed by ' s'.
2 h 23 min 45 s
